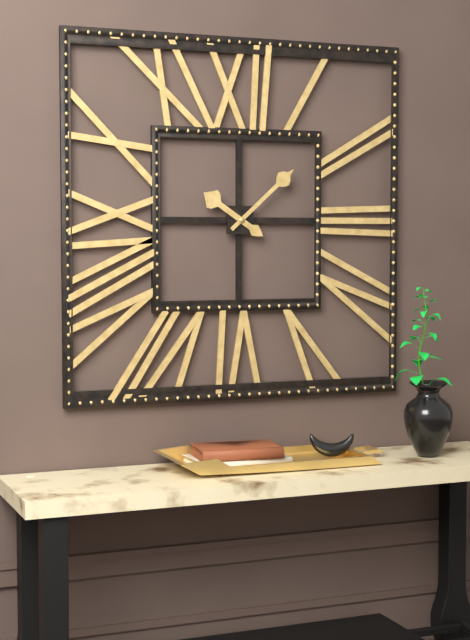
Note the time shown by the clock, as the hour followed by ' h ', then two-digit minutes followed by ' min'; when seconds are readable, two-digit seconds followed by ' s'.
10 h 08 min
